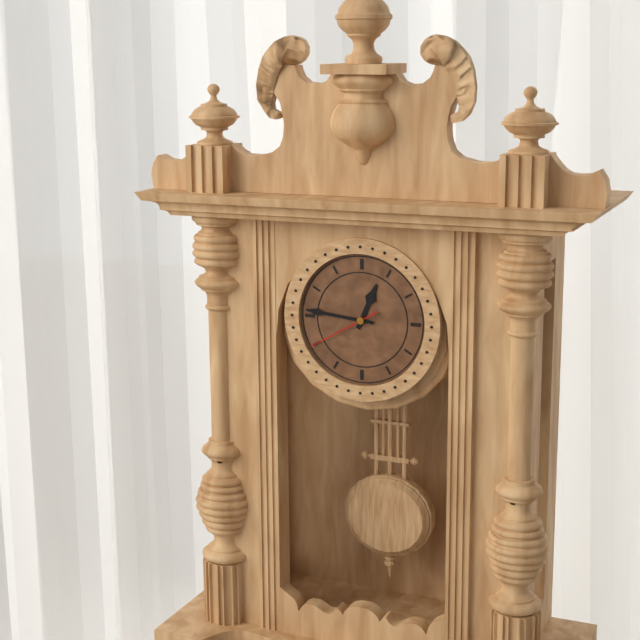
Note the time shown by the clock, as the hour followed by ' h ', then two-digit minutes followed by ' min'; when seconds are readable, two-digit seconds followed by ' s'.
12 h 46 min 40 s
